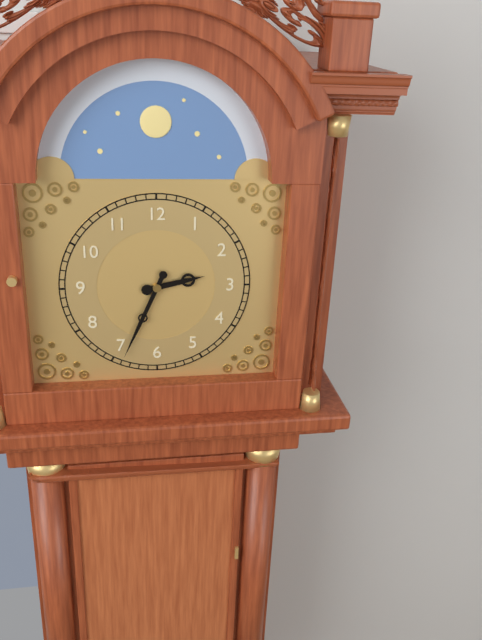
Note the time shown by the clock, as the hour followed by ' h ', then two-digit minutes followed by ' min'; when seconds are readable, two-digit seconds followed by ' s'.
2 h 34 min
